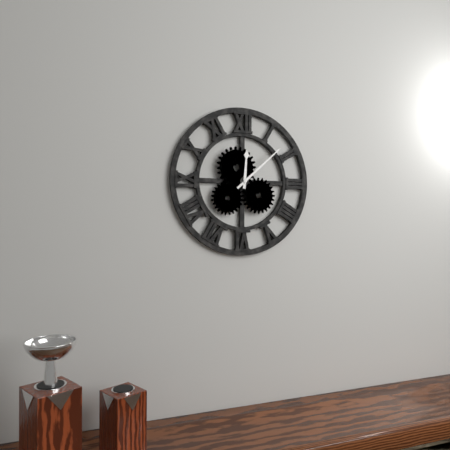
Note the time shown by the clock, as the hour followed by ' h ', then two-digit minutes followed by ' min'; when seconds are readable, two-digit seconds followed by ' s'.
12 h 08 min
